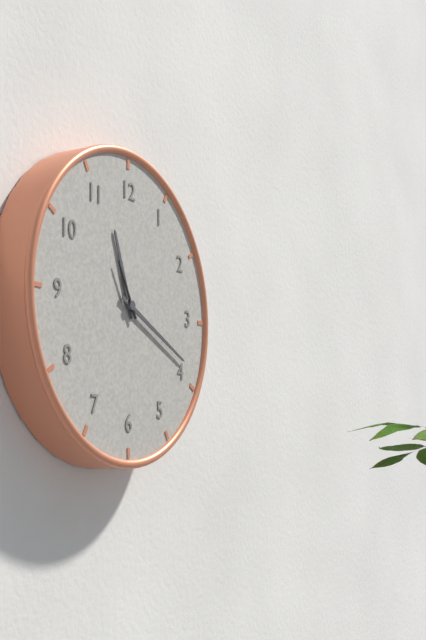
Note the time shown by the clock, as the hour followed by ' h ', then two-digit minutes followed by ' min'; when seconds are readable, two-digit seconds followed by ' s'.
11 h 19 min 55 s
